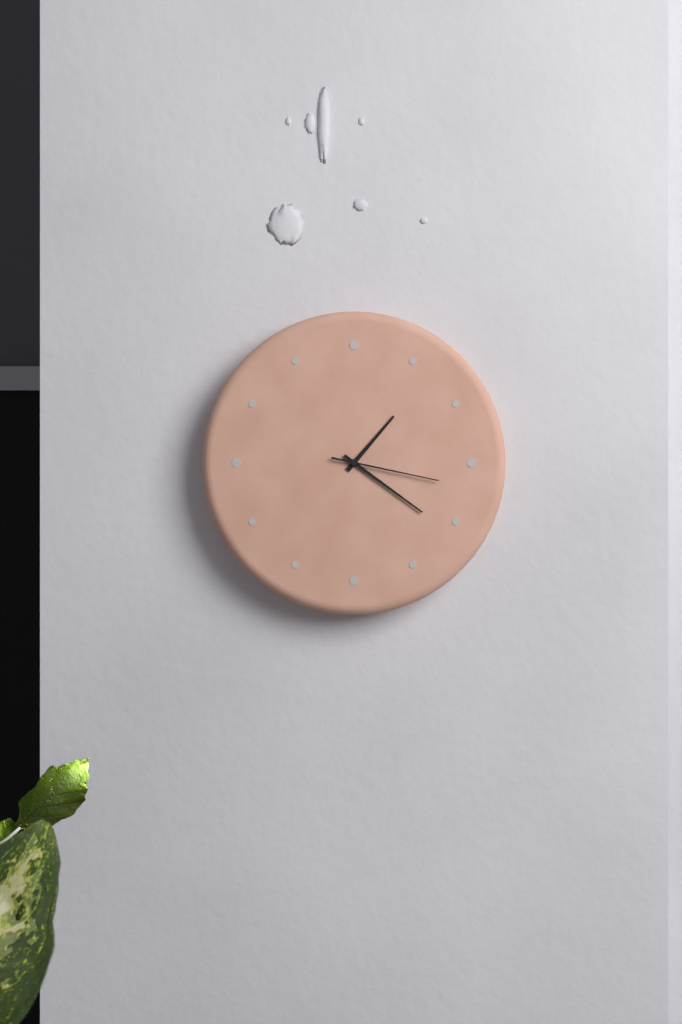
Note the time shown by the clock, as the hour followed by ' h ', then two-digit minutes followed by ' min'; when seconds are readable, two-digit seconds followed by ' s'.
1 h 21 min 17 s
